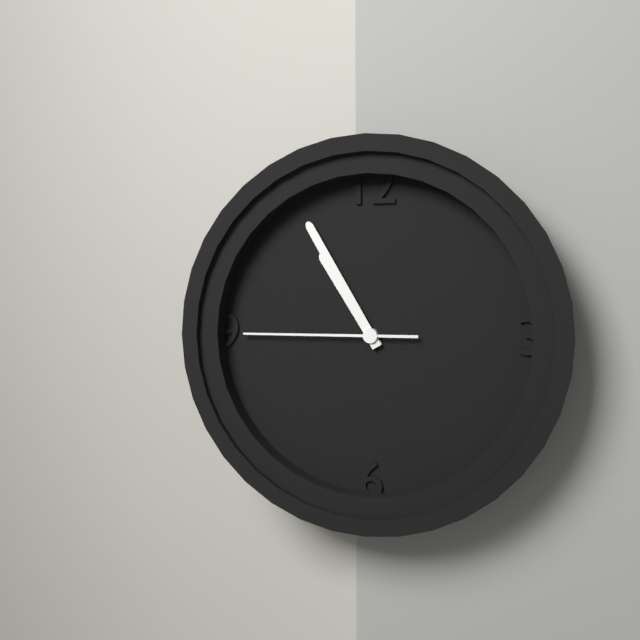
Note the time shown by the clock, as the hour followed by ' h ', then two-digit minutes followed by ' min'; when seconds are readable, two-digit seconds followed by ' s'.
10 h 55 min 45 s
